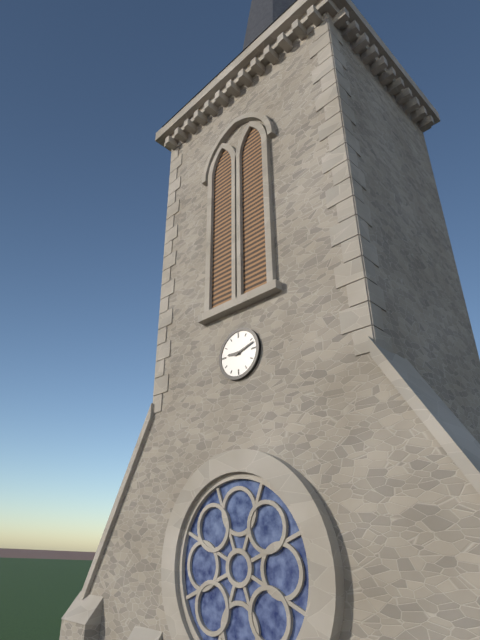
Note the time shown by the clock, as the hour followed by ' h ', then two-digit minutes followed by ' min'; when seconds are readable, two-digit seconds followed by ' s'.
9 h 12 min
